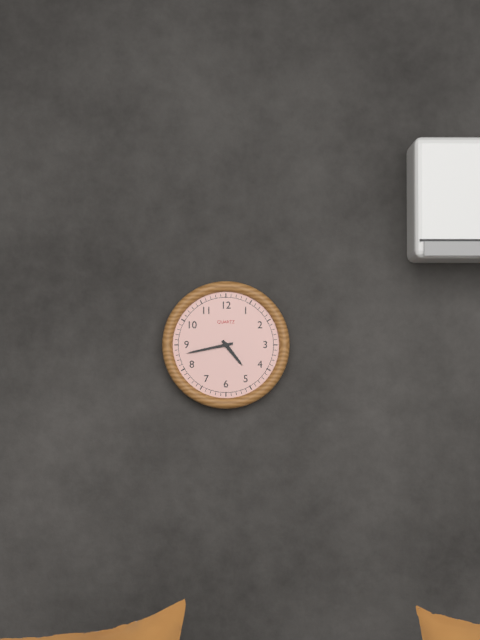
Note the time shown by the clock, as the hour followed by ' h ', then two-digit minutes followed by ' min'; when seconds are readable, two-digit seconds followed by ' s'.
4 h 43 min
